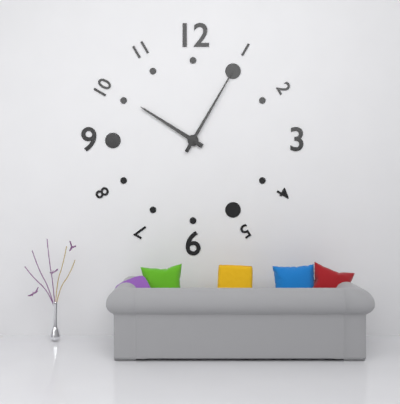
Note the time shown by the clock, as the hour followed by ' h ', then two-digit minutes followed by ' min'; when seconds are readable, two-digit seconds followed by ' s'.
10 h 05 min
